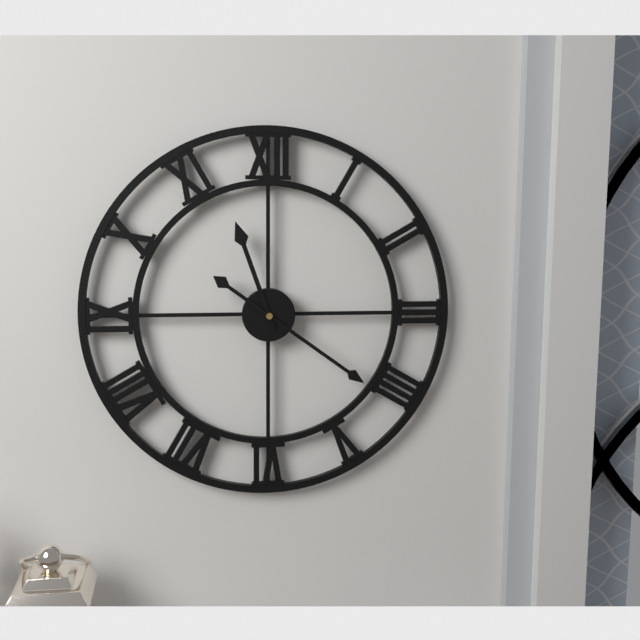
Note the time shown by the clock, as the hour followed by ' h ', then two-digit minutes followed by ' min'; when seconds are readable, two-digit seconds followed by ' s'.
11 h 21 min
